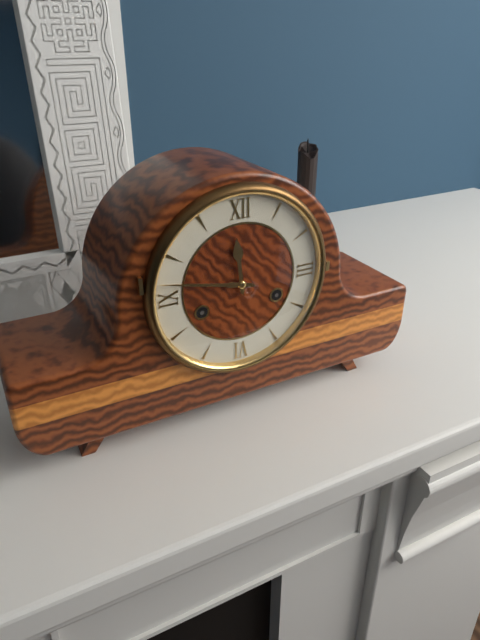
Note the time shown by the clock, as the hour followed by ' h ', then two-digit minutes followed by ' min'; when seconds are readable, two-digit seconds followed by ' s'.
11 h 47 min
